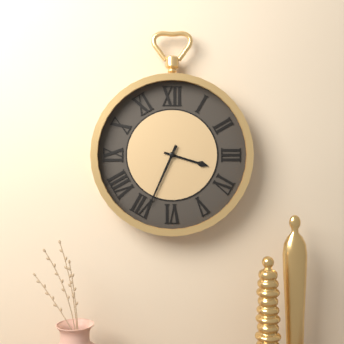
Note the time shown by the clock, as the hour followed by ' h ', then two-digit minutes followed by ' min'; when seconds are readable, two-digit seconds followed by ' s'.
3 h 34 min
